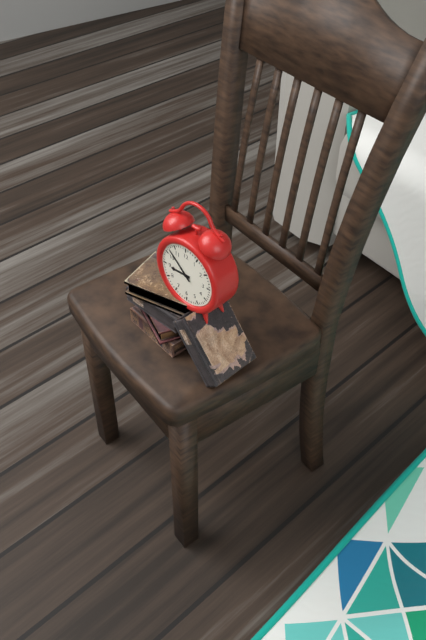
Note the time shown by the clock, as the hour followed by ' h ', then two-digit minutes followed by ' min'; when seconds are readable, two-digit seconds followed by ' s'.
8 h 52 min
